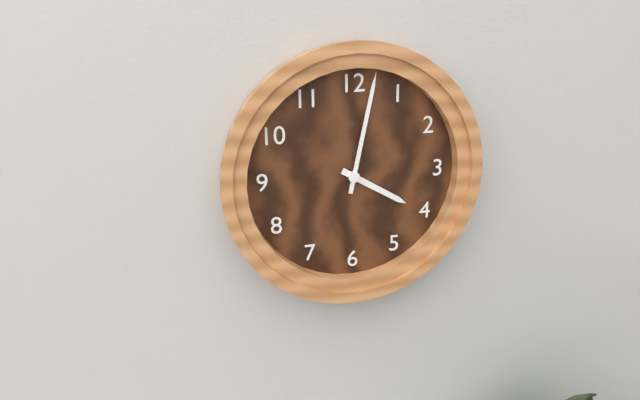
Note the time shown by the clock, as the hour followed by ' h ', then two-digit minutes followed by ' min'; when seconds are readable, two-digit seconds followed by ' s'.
4 h 02 min
